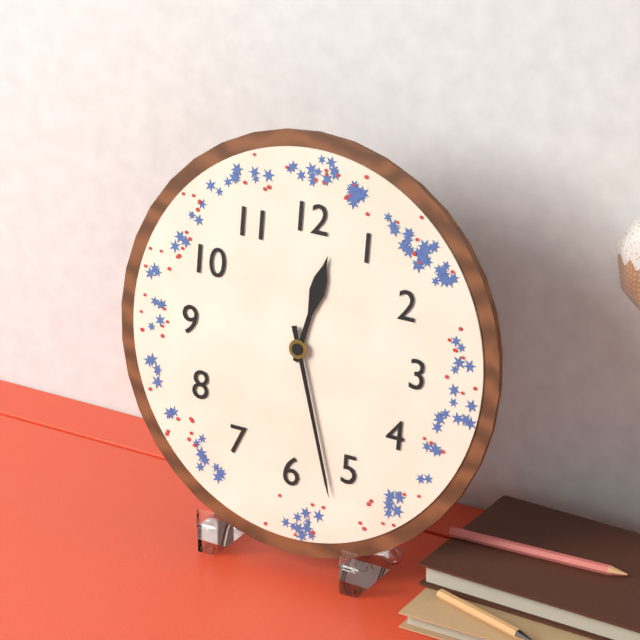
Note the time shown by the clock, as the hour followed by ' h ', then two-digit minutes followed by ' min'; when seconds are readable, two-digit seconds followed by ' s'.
12 h 27 min
